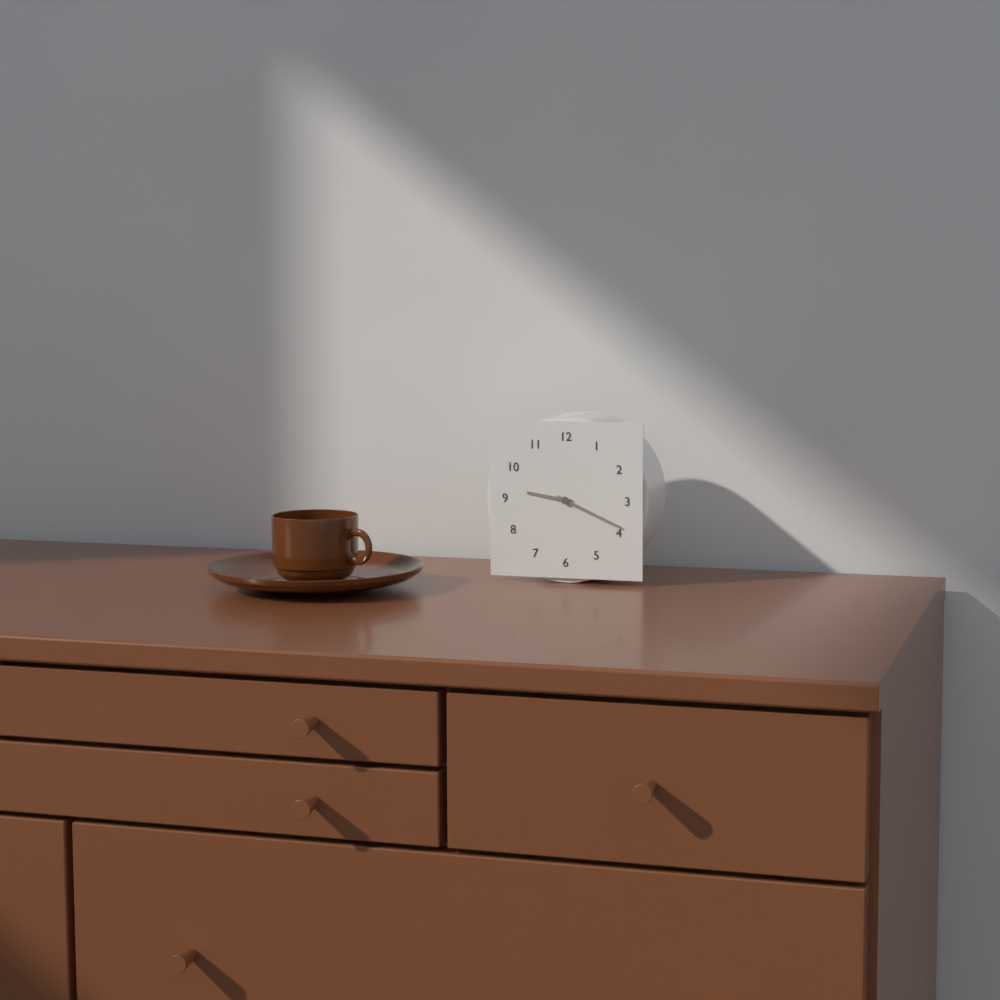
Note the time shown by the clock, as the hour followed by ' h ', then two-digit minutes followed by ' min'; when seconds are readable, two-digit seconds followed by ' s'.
9 h 19 min
